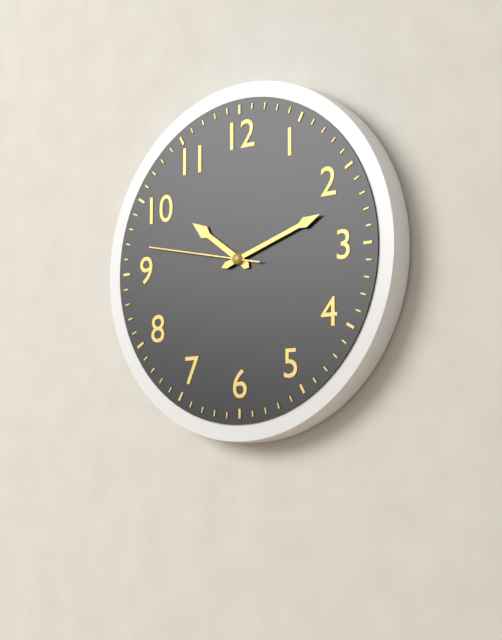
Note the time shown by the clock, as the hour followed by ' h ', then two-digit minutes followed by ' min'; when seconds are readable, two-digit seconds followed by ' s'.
10 h 12 min 47 s
